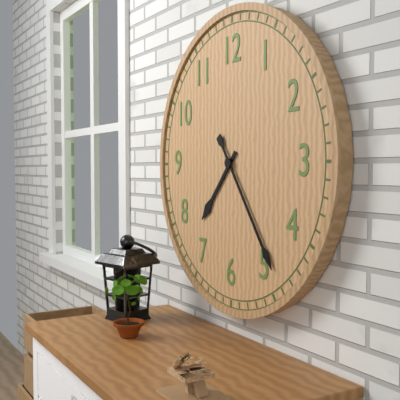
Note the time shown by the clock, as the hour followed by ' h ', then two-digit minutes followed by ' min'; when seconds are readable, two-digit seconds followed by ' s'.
7 h 24 min
